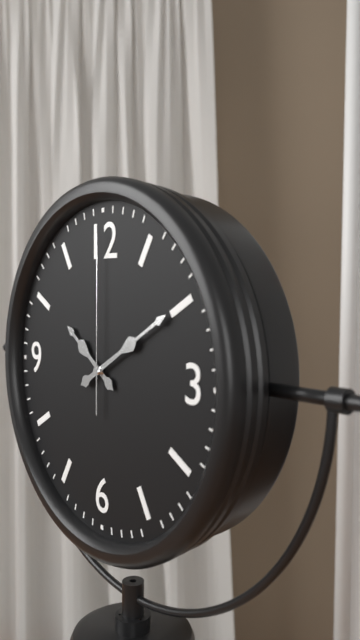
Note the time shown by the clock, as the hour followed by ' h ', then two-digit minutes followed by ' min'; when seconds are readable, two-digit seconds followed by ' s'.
10 h 10 min 00 s
